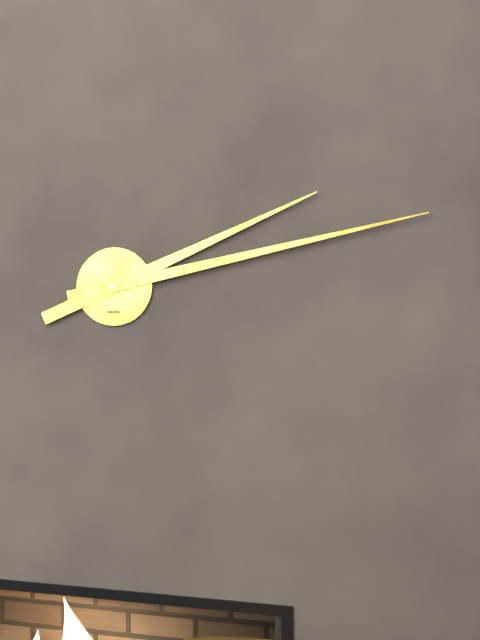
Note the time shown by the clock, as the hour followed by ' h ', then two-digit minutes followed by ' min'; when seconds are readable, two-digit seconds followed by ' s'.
2 h 13 min
